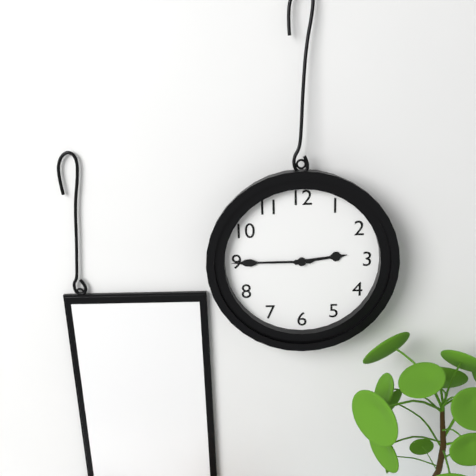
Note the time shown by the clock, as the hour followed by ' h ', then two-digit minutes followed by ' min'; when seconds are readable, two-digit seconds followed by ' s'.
2 h 45 min
